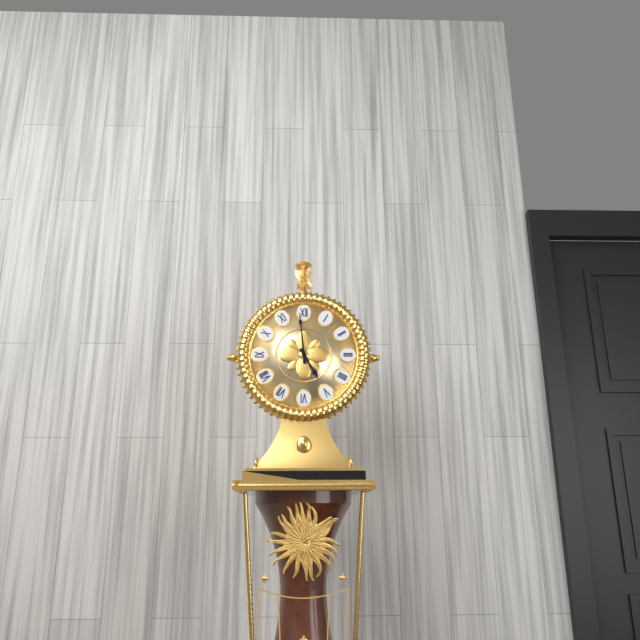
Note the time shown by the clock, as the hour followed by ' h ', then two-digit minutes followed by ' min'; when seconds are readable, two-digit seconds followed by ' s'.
4 h 59 min
